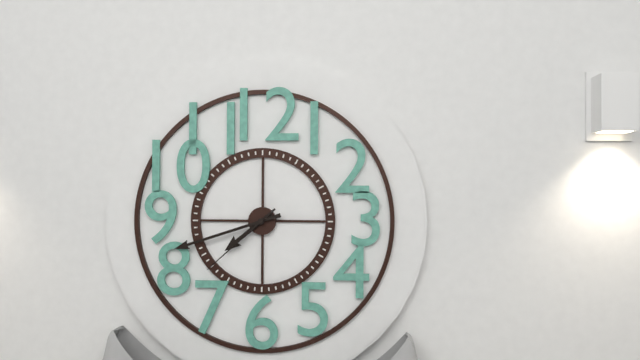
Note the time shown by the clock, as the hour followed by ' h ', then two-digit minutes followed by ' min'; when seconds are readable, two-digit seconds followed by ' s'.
7 h 42 min 38 s
